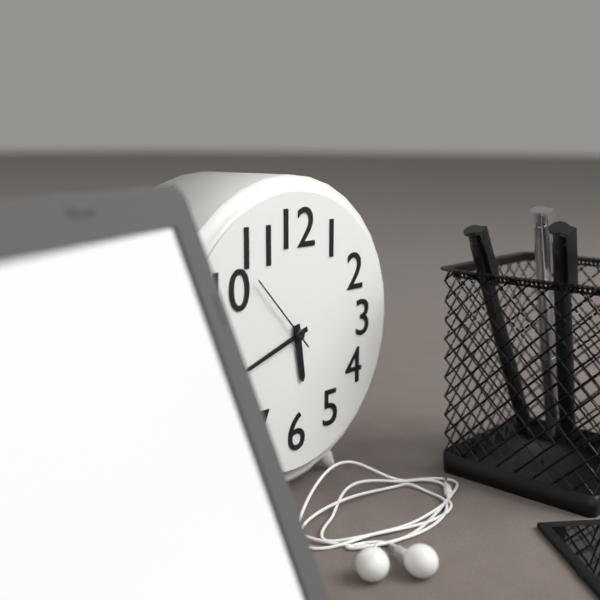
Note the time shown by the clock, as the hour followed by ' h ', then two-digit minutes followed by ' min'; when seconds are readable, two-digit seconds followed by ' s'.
5 h 42 min 53 s
